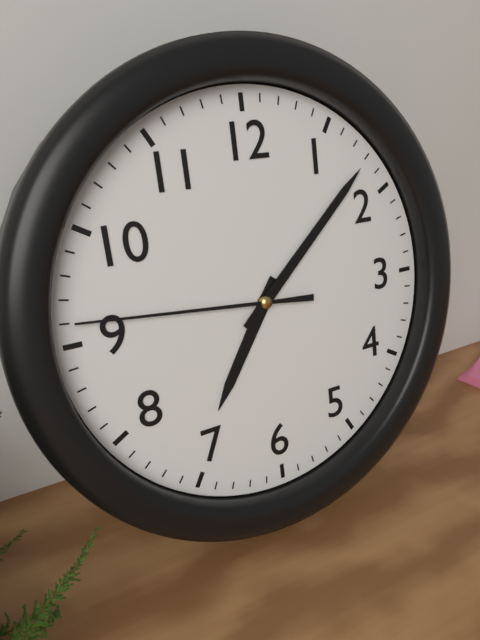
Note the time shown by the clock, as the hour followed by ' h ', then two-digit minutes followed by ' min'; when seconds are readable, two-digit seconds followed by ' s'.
7 h 08 min 46 s
